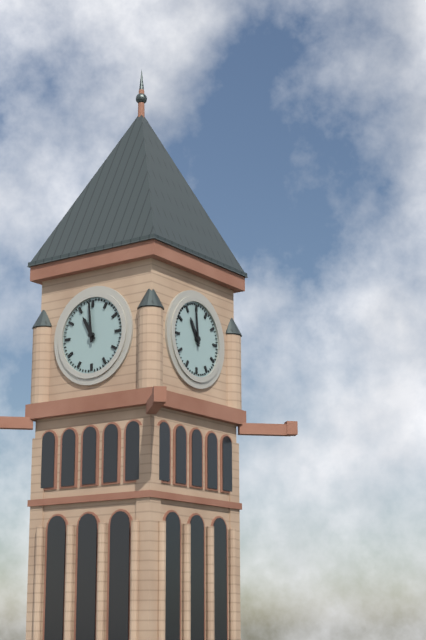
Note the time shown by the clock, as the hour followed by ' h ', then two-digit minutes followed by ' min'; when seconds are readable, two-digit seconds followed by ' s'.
10 h 59 min
